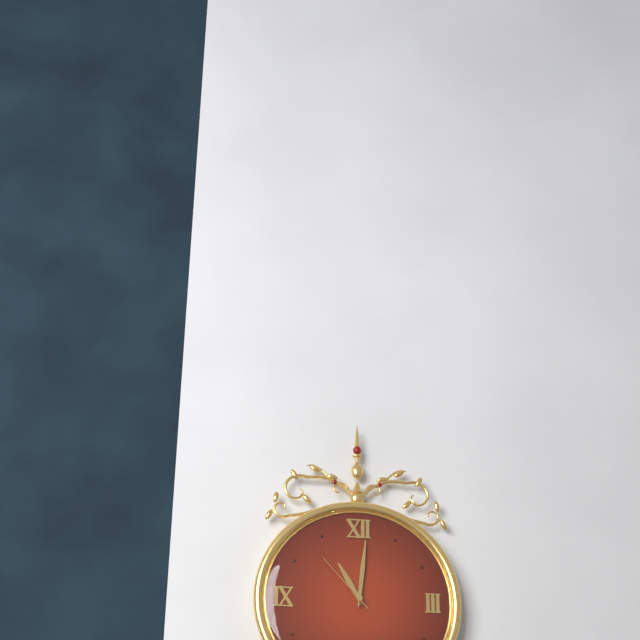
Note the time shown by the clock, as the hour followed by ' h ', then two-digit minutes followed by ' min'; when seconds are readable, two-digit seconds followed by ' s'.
11 h 01 min 53 s
